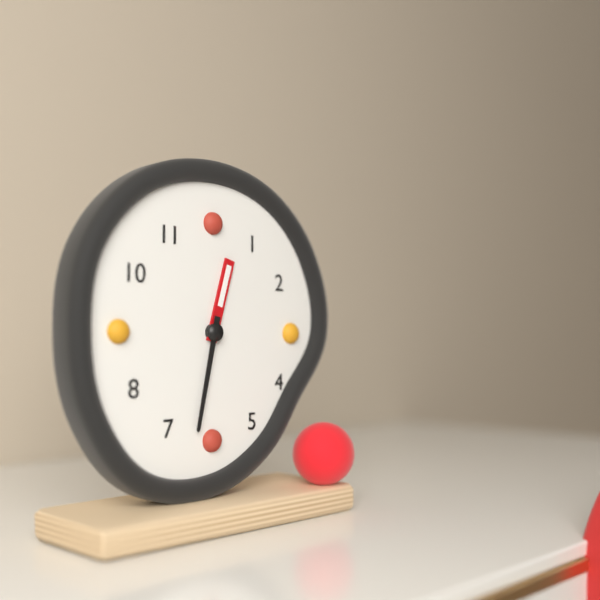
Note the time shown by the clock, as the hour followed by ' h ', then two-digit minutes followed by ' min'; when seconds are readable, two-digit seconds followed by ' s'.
12 h 32 min
